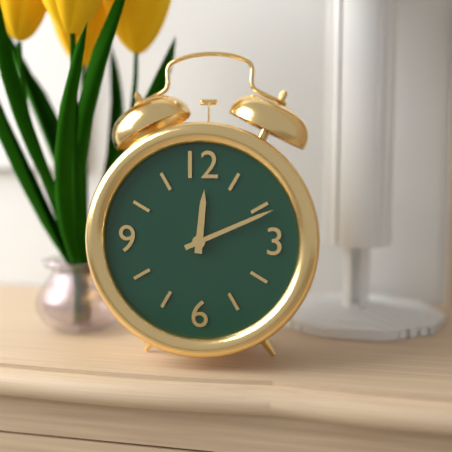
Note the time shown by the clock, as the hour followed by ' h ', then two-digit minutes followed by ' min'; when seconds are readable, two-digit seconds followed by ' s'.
12 h 11 min
